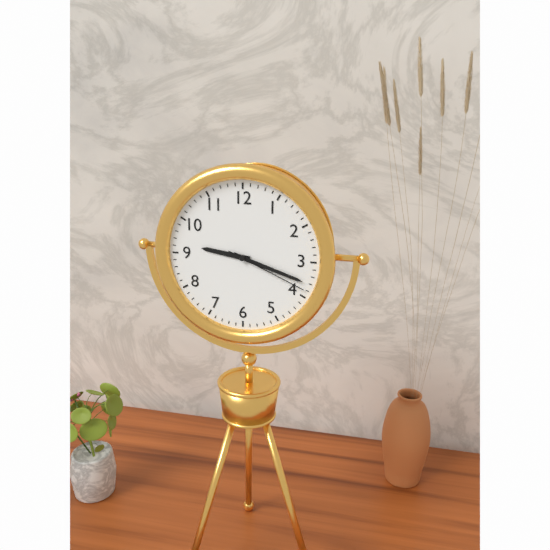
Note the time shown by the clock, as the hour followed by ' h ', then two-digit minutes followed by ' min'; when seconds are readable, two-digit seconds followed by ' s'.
9 h 18 min 19 s
